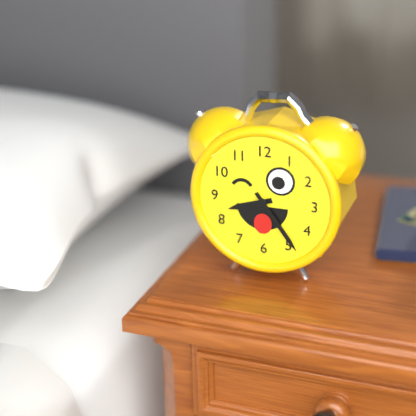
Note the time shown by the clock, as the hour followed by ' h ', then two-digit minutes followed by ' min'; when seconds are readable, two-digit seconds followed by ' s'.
8 h 24 min
